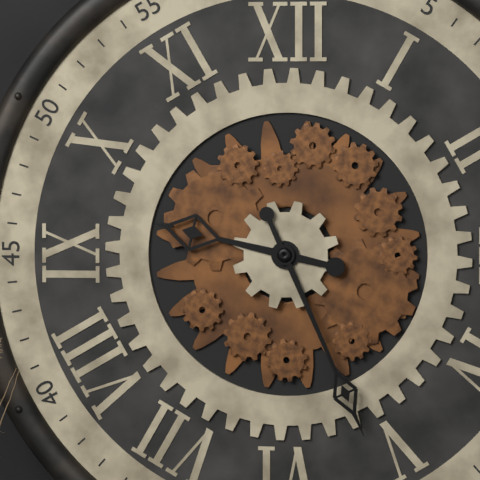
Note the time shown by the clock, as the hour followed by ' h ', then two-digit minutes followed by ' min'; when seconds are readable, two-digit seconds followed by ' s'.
9 h 26 min
